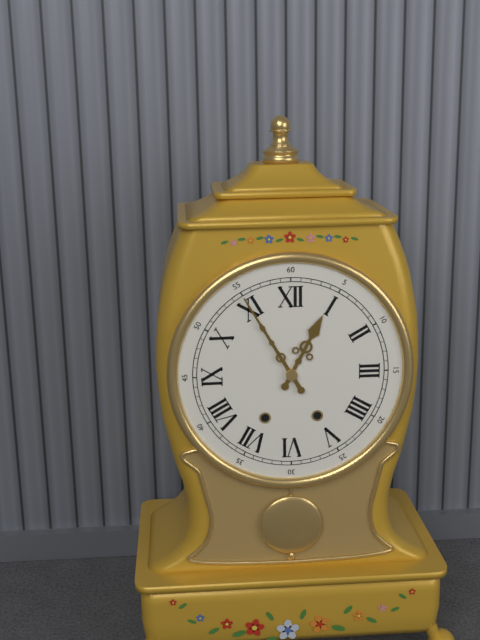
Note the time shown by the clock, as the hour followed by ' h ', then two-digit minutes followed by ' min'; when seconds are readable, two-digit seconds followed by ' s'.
12 h 55 min
